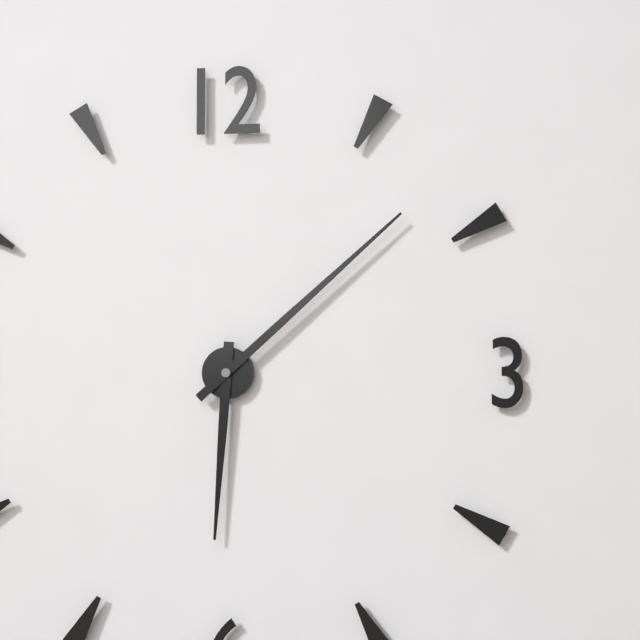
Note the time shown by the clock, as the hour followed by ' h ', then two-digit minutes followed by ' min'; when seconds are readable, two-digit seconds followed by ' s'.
6 h 08 min
